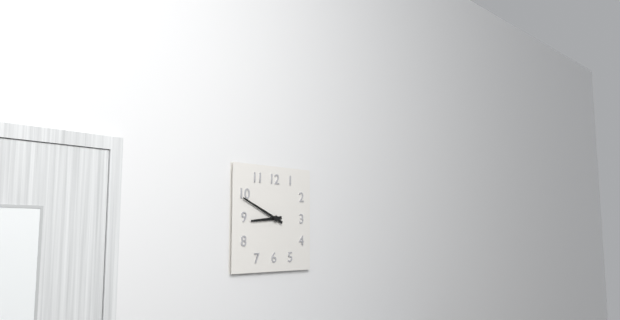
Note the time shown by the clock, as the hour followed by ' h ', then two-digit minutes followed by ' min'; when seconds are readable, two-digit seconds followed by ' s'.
8 h 49 min
